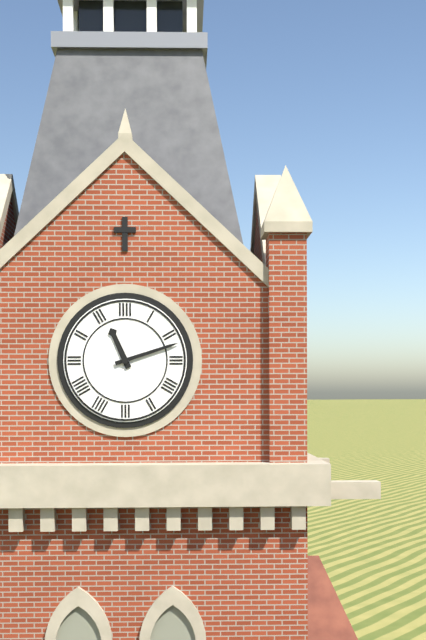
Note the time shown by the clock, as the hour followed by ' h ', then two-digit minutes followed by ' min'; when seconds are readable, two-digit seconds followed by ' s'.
11 h 12 min
